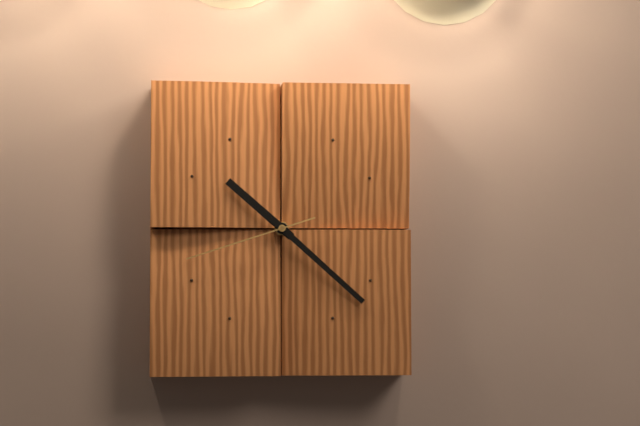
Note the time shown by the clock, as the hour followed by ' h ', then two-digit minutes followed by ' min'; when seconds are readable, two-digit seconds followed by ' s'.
10 h 22 min 42 s
